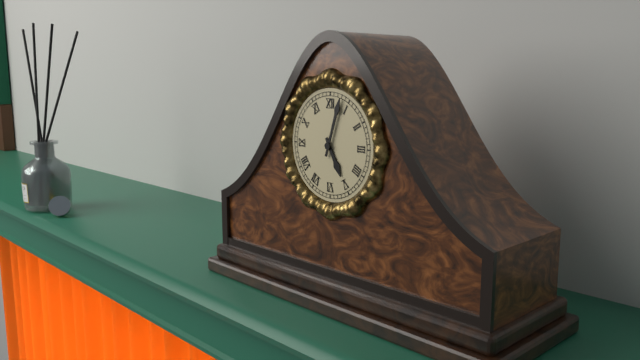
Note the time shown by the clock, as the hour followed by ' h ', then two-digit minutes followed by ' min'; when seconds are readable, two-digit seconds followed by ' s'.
5 h 03 min
